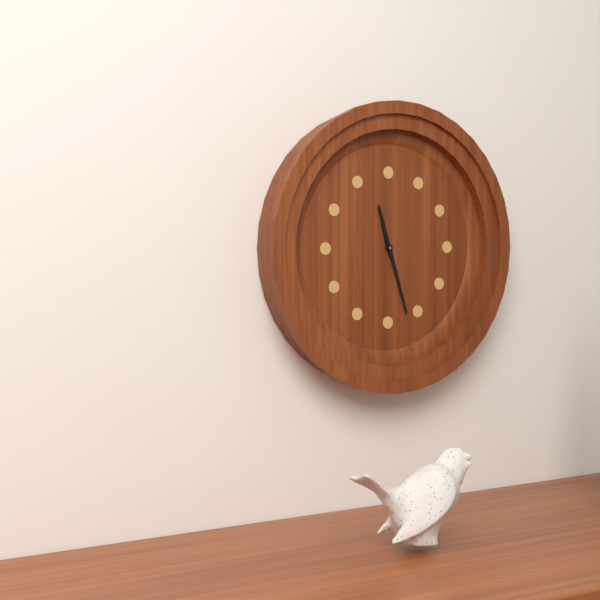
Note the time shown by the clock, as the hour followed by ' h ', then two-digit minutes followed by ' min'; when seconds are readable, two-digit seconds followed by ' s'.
11 h 27 min
